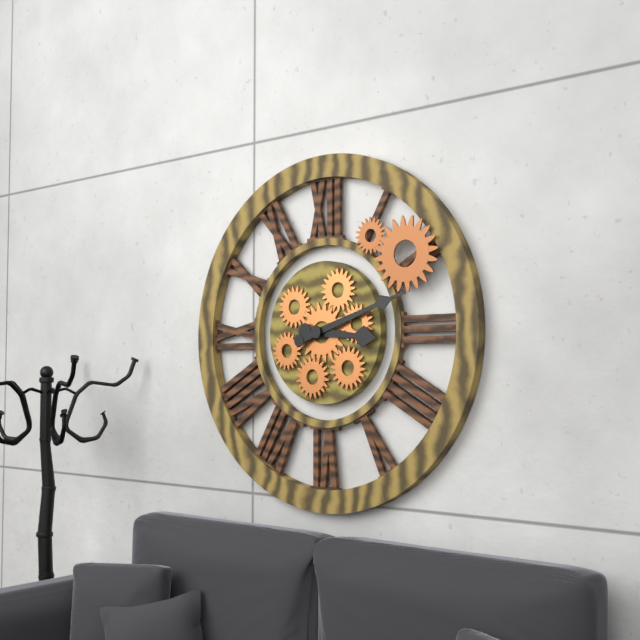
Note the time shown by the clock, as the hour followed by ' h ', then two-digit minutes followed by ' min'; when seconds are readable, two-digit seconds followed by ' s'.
3 h 12 min
